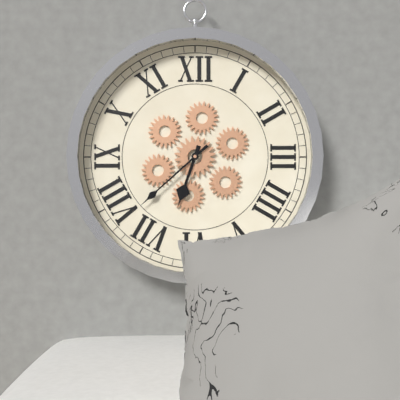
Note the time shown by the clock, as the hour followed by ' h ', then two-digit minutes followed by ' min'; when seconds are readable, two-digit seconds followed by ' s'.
6 h 38 min
